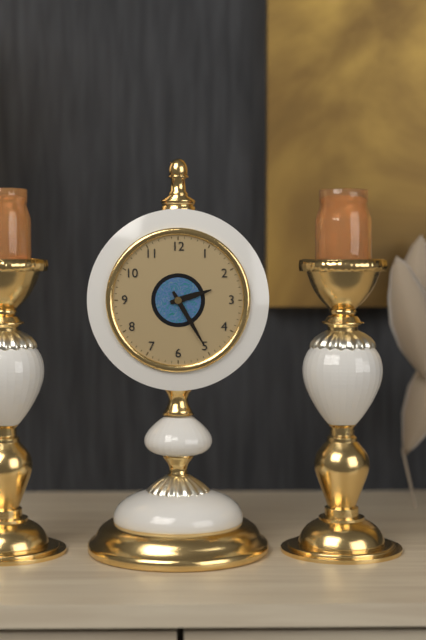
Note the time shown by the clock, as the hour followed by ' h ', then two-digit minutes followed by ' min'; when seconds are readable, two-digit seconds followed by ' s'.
2 h 25 min
